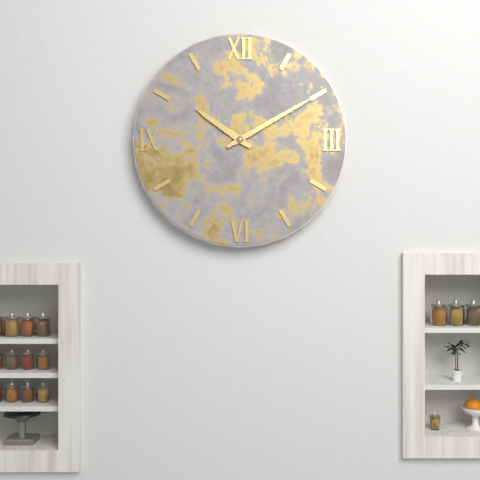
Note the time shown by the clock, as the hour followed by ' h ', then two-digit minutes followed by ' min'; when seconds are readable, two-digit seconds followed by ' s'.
10 h 10 min
